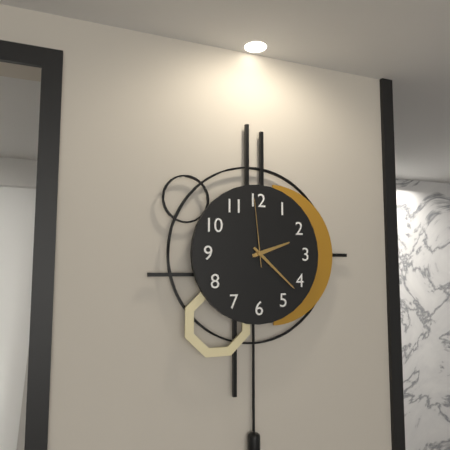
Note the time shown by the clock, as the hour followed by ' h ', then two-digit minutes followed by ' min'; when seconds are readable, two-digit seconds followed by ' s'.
2 h 22 min 59 s
